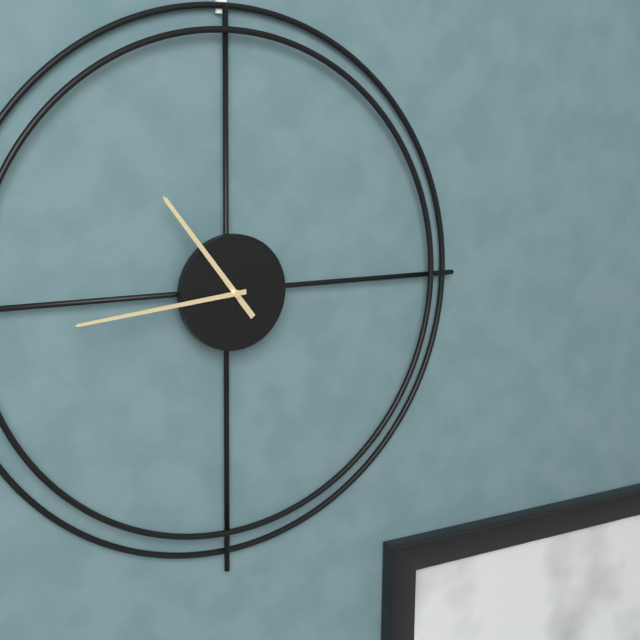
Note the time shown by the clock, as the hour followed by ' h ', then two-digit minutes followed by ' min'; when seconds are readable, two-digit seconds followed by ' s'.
10 h 44 min
